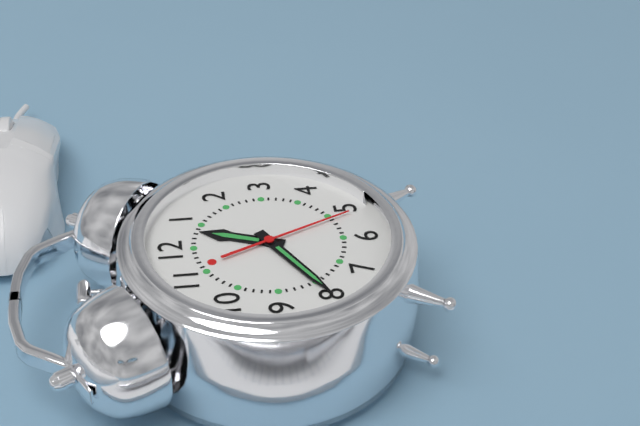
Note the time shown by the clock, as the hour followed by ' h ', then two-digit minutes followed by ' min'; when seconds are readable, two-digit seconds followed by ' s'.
12 h 40 min 26 s
